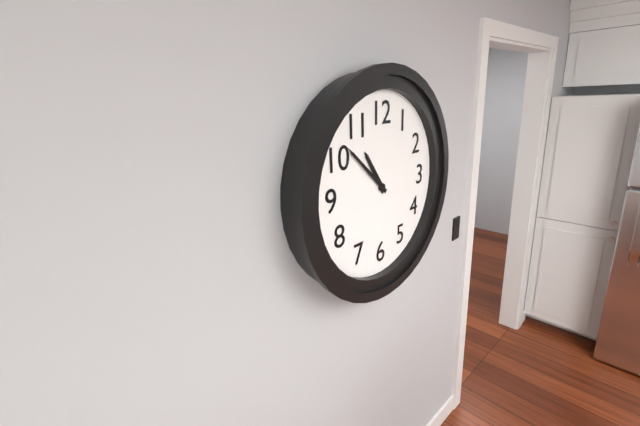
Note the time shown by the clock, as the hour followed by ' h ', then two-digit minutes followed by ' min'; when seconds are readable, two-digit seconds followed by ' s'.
10 h 52 min
